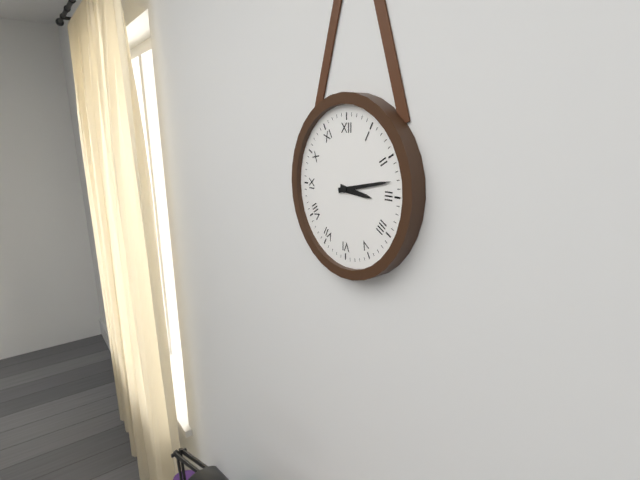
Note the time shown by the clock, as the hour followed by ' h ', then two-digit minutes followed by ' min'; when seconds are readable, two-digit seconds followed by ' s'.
3 h 13 min
